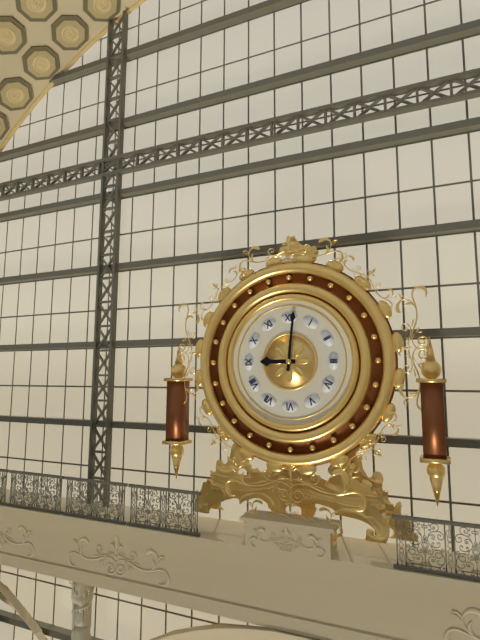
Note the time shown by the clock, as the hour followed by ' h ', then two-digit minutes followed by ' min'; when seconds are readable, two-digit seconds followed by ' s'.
9 h 01 min
